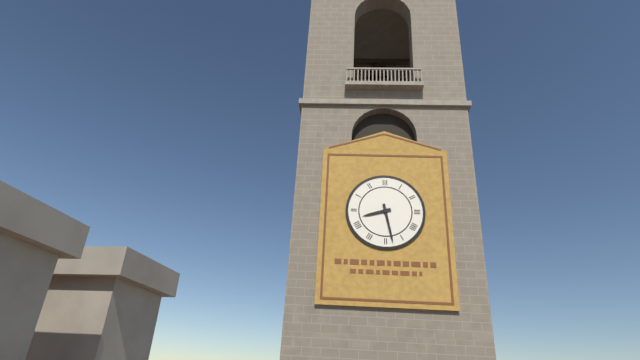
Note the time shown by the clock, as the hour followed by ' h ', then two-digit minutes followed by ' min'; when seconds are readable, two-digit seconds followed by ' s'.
8 h 28 min
